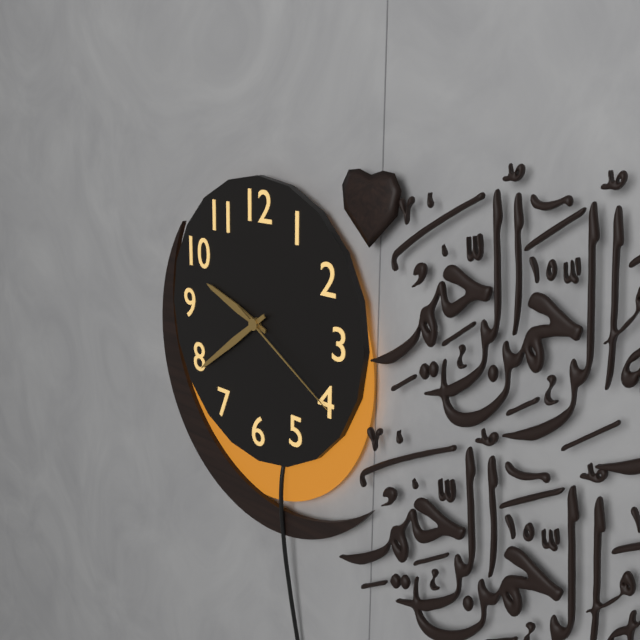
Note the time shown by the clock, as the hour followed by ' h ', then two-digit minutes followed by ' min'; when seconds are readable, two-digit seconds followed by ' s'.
9 h 39 min 20 s
